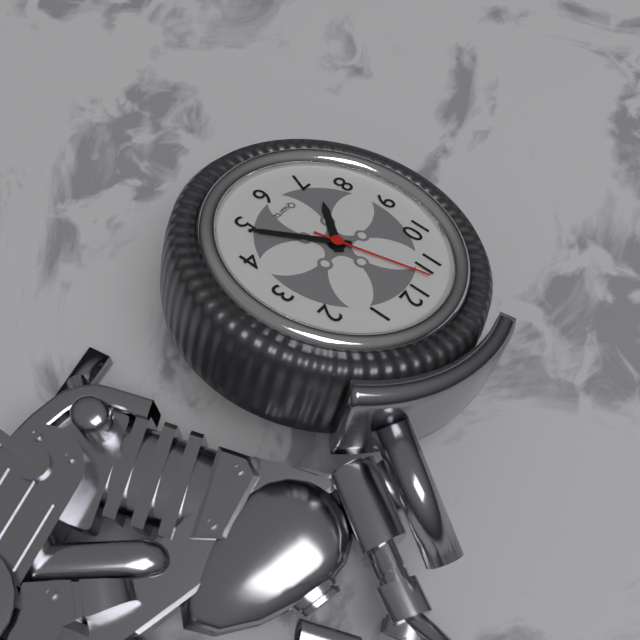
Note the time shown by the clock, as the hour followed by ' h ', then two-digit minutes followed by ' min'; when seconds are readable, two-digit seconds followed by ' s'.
7 h 24 min 57 s
